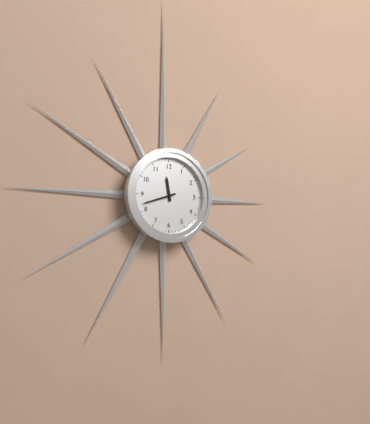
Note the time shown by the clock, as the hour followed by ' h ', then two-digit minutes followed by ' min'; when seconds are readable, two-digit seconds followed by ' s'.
11 h 42 min
